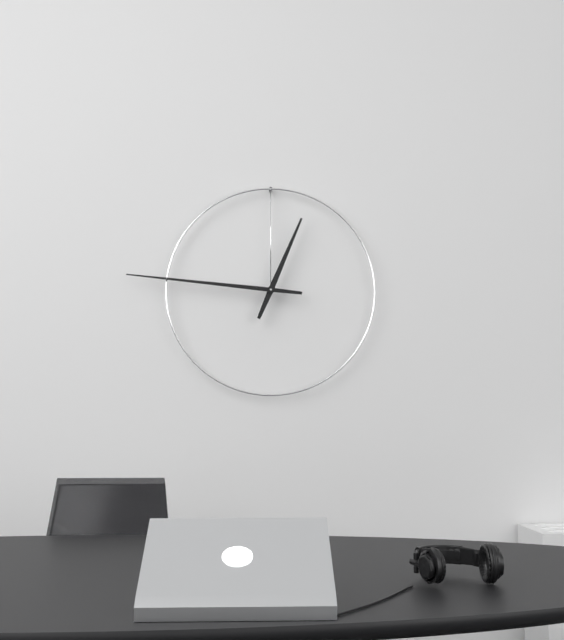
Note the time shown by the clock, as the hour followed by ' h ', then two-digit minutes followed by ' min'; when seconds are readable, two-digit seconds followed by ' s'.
12 h 46 min
